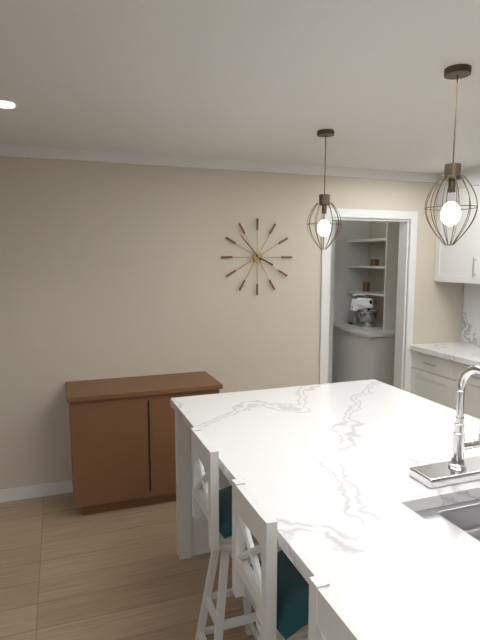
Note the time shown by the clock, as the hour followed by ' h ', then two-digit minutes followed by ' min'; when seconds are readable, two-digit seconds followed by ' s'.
3 h 53 min
